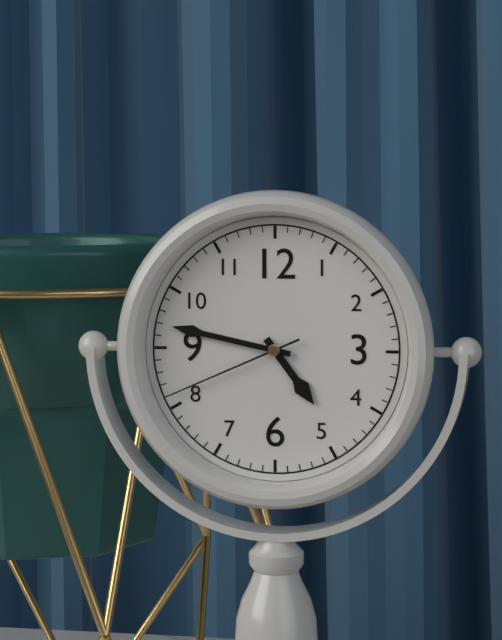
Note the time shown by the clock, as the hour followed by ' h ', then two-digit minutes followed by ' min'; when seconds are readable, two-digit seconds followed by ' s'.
4 h 47 min 41 s
